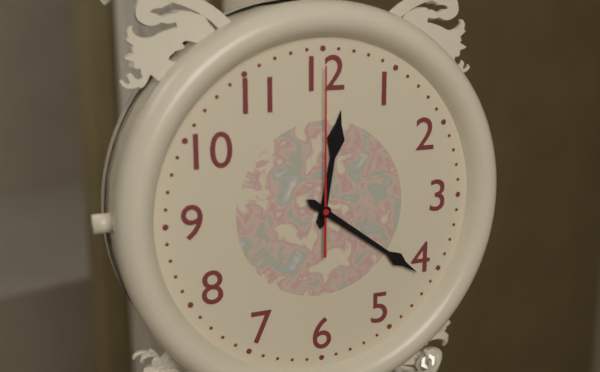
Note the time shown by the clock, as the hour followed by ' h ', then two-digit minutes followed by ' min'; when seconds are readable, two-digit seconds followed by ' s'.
12 h 21 min 00 s
